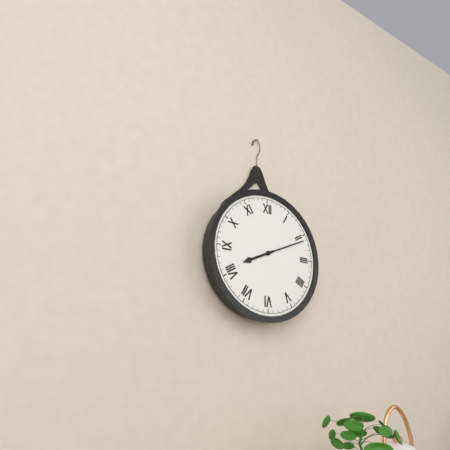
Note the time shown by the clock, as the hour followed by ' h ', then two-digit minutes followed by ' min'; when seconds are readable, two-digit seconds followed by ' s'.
8 h 11 min
